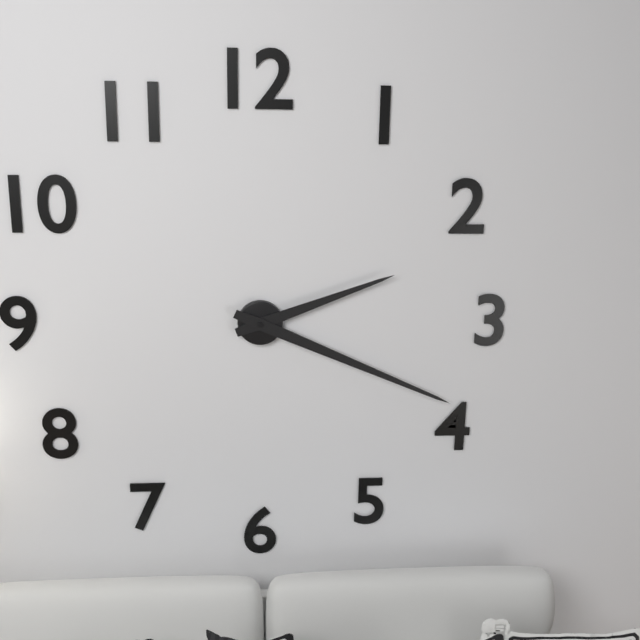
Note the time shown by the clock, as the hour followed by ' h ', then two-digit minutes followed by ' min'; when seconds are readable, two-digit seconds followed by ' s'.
2 h 19 min
